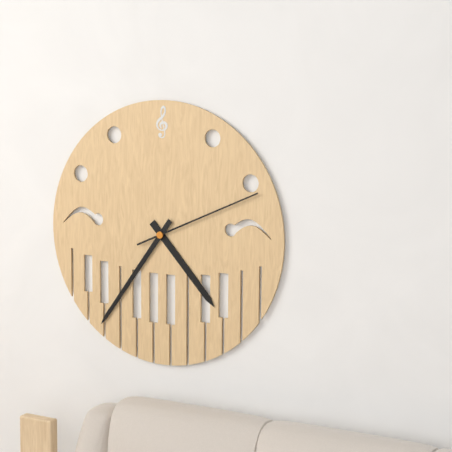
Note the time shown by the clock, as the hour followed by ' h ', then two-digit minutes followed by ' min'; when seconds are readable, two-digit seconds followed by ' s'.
4 h 36 min 11 s
